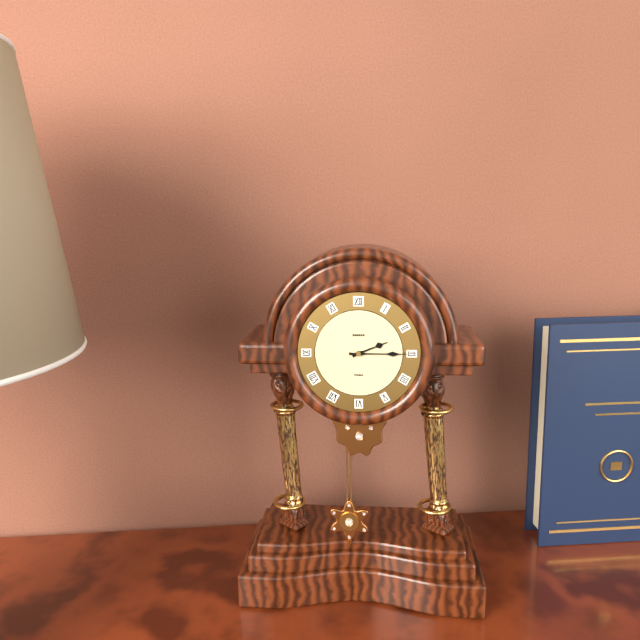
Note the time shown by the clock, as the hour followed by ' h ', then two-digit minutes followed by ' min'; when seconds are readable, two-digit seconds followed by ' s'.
2 h 15 min
